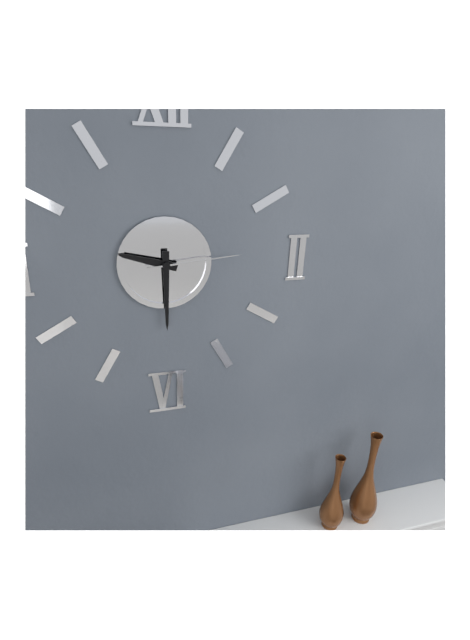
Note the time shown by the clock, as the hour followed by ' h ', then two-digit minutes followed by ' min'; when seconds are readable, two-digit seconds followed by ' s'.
9 h 30 min 14 s
